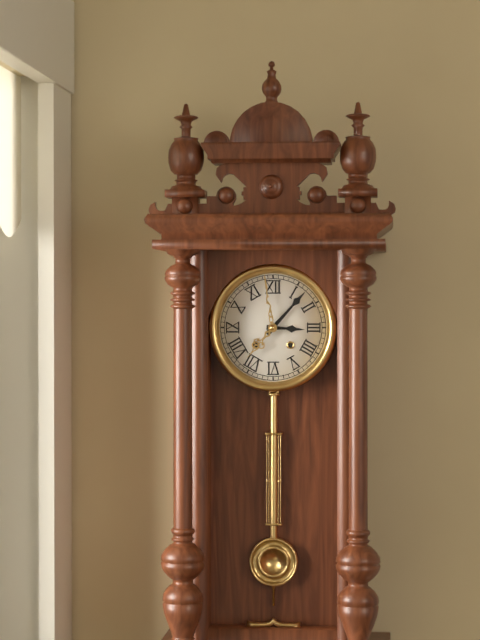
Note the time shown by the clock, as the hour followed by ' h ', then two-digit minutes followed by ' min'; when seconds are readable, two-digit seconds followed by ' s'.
3 h 07 min
